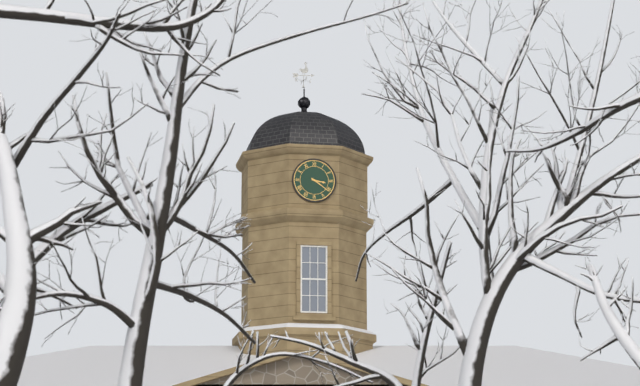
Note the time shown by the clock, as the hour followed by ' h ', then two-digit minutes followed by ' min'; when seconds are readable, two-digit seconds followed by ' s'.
3 h 21 min
